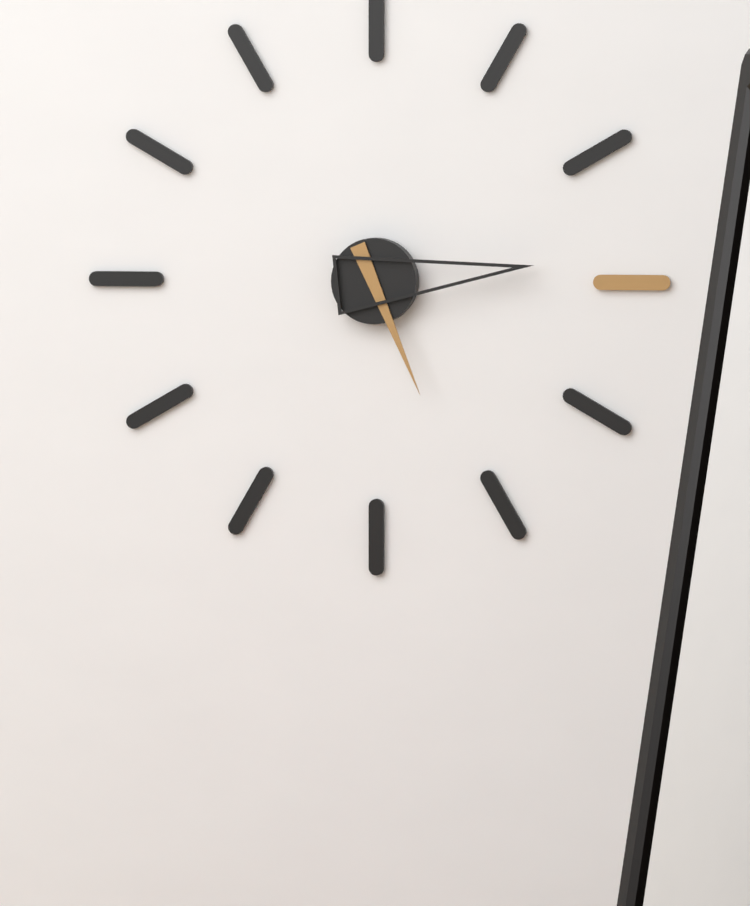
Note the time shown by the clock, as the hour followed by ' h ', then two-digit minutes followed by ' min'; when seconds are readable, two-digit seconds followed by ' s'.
5 h 14 min
